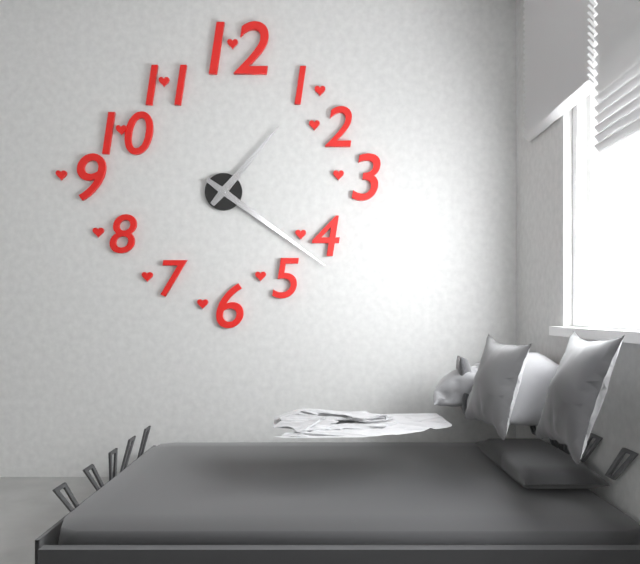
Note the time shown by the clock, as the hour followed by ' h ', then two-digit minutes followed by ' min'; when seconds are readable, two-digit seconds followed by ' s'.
1 h 21 min
